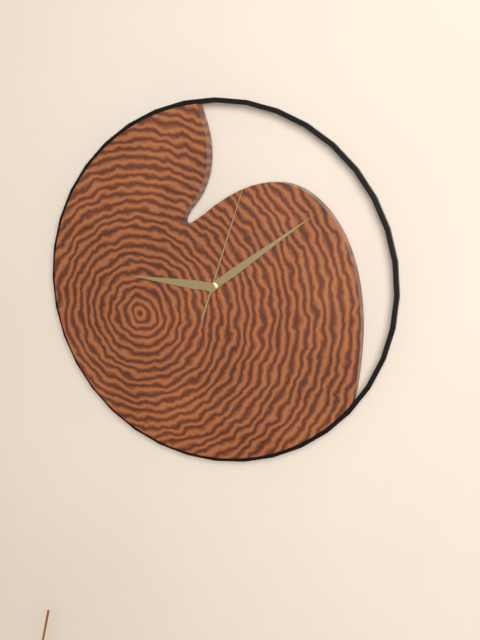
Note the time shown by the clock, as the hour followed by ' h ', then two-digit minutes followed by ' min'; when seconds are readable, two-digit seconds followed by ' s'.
9 h 09 min 03 s
